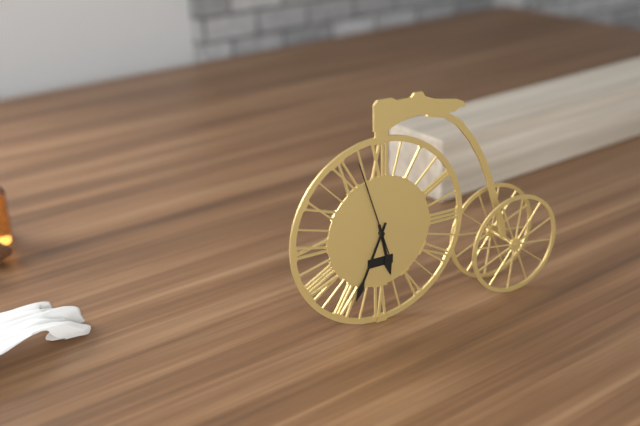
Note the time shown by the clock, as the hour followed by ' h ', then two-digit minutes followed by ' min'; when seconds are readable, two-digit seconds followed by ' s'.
5 h 34 min 57 s
